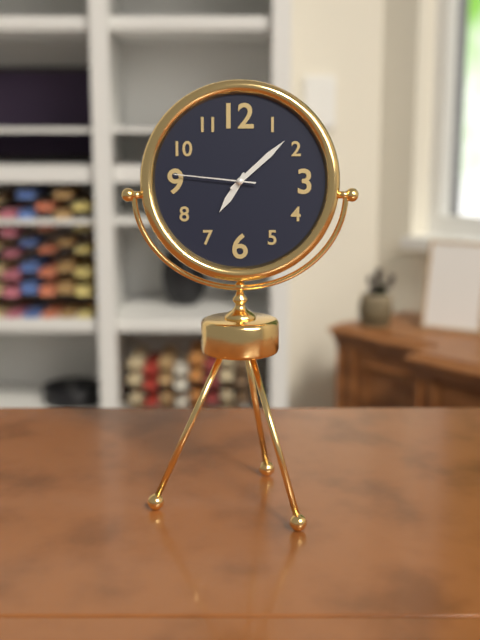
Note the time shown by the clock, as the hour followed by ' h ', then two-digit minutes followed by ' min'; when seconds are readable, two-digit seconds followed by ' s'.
7 h 08 min 46 s
